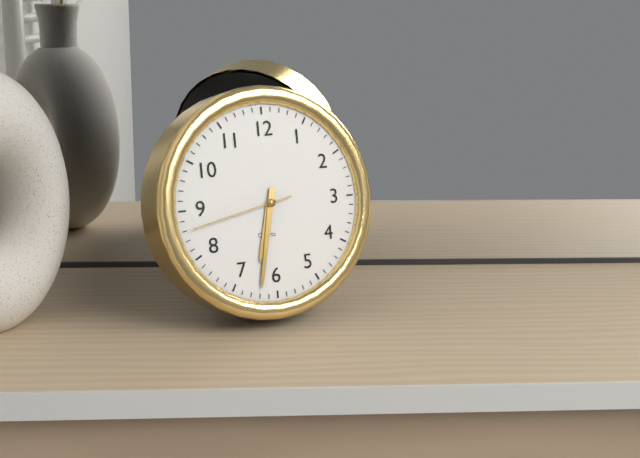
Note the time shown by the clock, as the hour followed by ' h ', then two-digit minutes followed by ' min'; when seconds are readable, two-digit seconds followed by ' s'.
6 h 32 min 43 s
